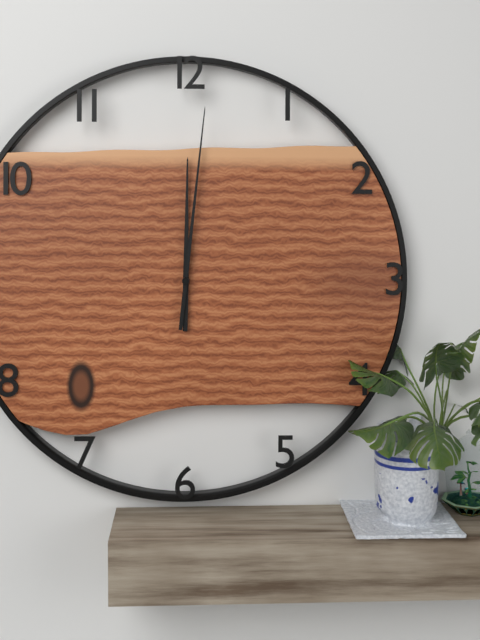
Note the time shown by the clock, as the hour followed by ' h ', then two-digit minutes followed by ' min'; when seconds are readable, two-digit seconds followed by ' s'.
12 h 01 min
